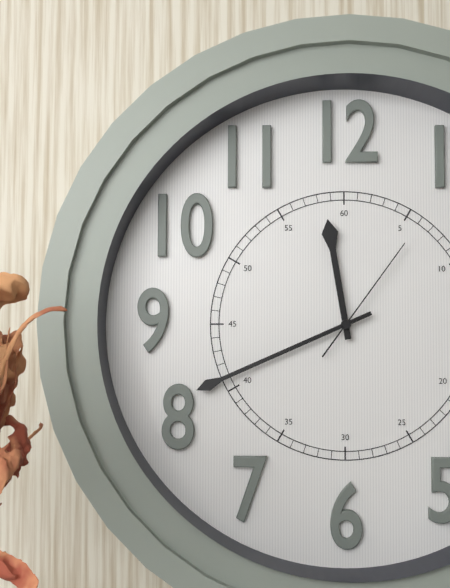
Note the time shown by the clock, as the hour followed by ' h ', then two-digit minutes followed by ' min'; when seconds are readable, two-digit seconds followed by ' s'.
11 h 41 min 06 s
